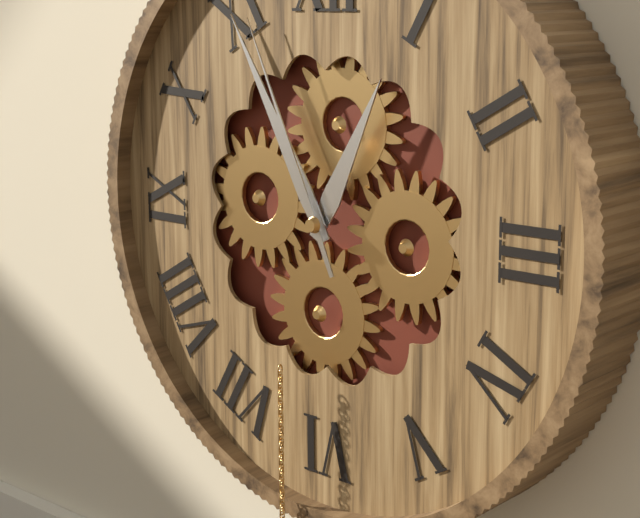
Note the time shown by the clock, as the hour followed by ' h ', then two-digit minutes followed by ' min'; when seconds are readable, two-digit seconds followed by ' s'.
12 h 55 min 56 s
